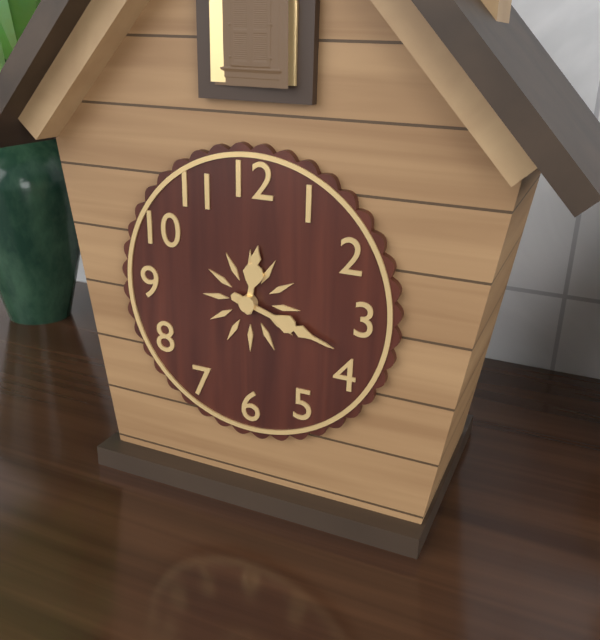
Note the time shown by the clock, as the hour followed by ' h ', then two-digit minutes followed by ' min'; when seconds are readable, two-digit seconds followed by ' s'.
12 h 18 min
